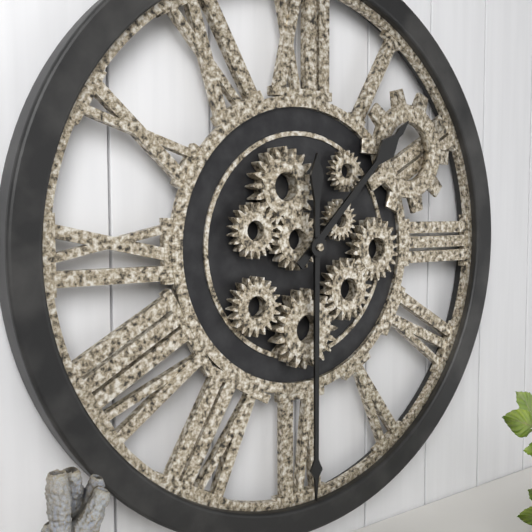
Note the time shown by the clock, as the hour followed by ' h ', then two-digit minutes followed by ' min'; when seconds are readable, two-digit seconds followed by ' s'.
1 h 30 min
